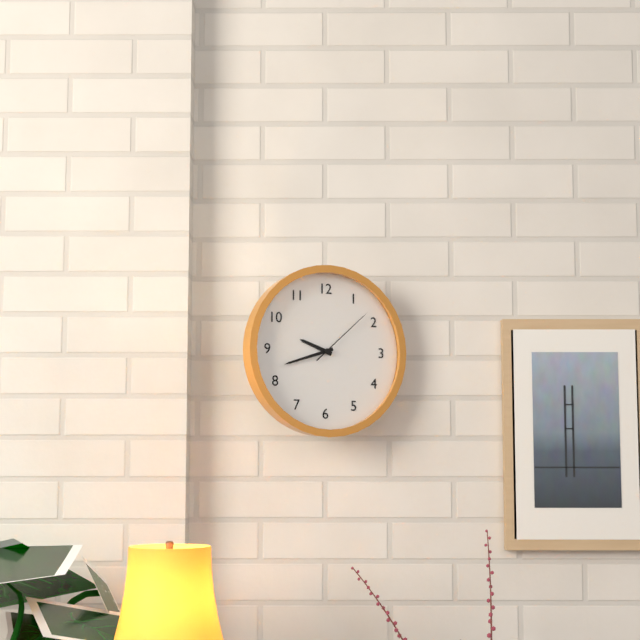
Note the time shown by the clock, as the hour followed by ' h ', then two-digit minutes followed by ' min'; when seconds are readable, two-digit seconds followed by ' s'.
9 h 42 min 08 s
